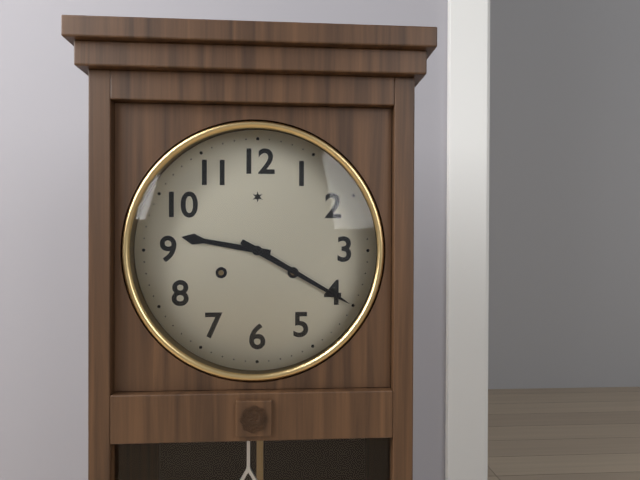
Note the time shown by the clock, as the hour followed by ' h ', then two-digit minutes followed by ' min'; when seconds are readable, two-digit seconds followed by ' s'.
9 h 20 min
